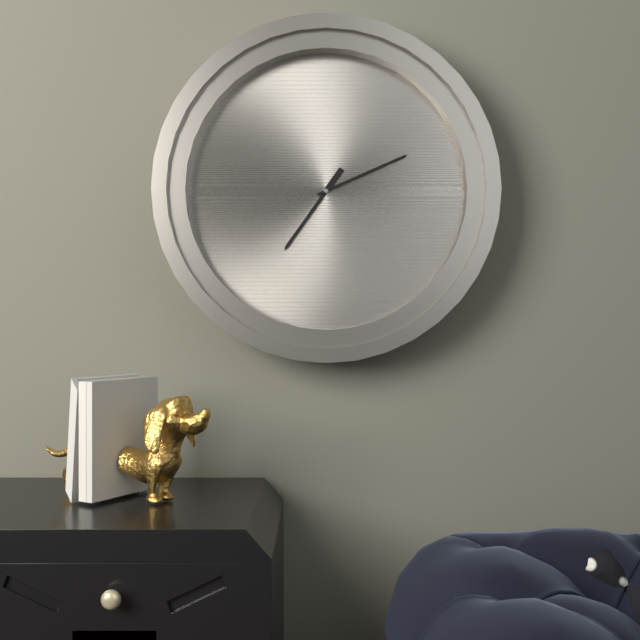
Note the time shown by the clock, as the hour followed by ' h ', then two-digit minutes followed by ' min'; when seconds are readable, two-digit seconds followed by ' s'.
7 h 11 min
